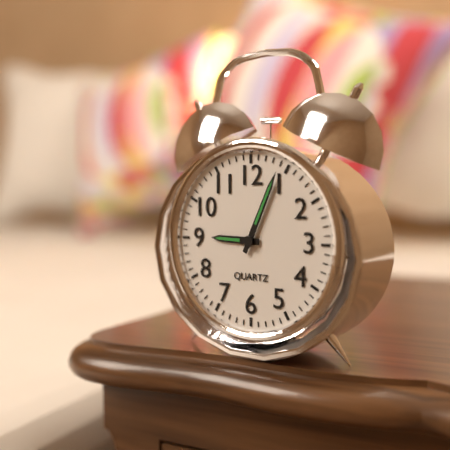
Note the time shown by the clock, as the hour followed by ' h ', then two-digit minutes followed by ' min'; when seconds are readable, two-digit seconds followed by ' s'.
9 h 04 min
